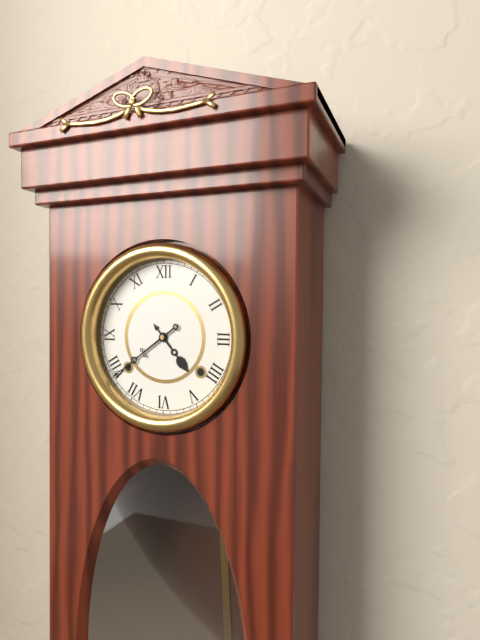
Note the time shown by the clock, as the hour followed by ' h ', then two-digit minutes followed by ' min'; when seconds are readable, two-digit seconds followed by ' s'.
4 h 39 min
